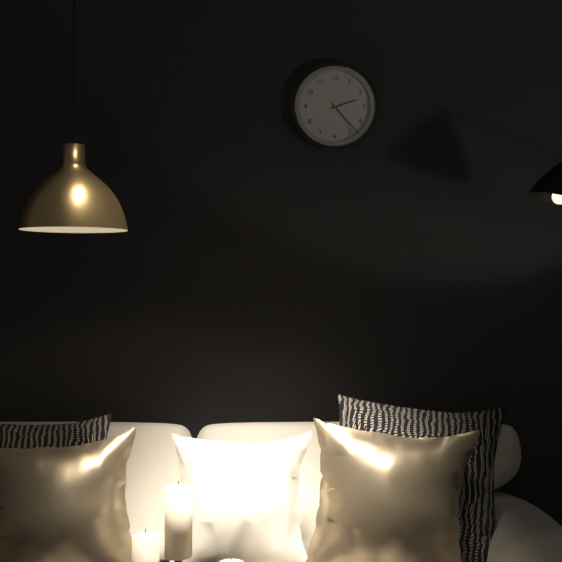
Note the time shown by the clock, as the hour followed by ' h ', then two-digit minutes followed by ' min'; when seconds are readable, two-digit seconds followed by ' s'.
2 h 23 min
